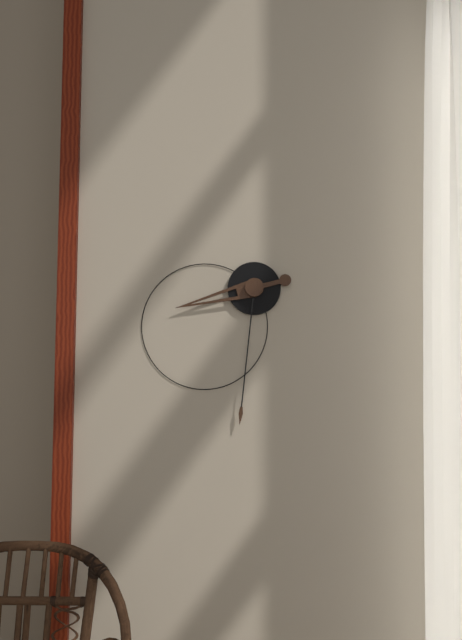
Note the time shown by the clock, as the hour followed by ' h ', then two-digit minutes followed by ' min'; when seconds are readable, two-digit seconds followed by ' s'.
8 h 31 min
